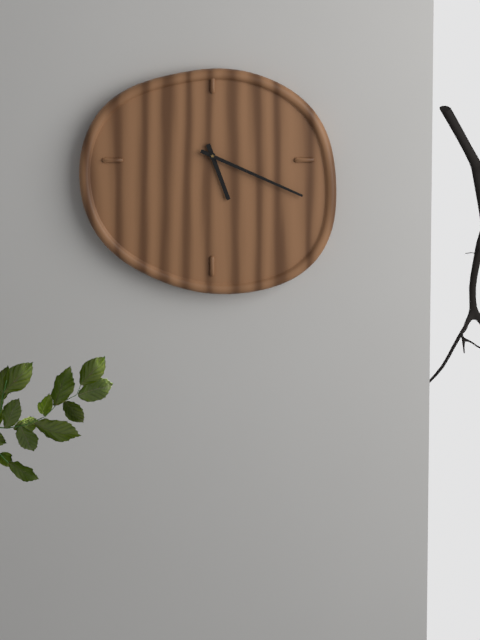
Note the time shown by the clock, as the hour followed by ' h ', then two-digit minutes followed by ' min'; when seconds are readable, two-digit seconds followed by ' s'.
5 h 19 min
